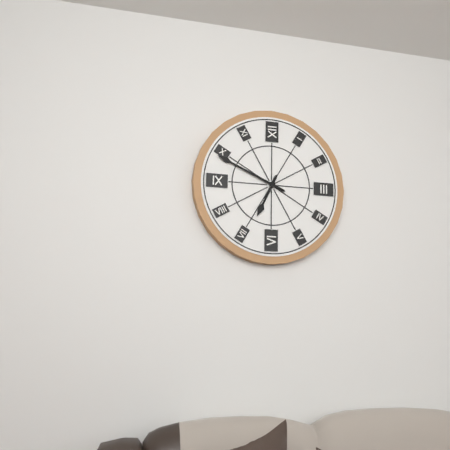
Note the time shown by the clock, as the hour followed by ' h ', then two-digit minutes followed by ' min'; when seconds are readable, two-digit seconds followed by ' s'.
6 h 49 min
